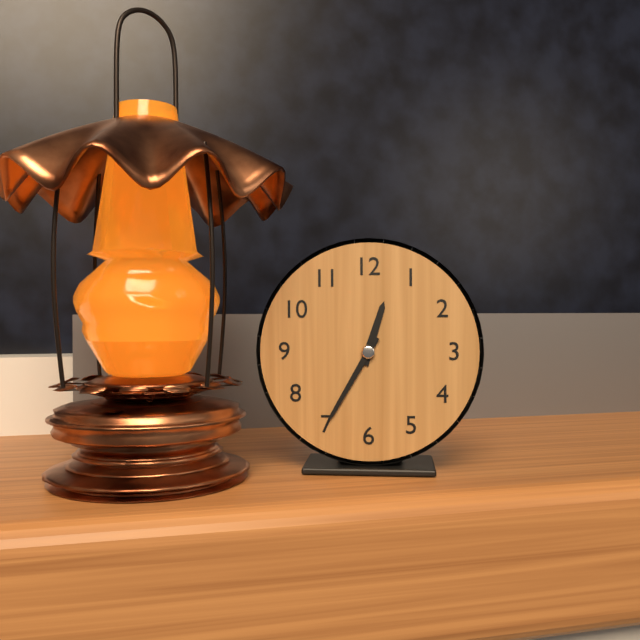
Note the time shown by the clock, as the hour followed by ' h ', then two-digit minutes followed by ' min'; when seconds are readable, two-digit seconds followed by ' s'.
12 h 35 min
